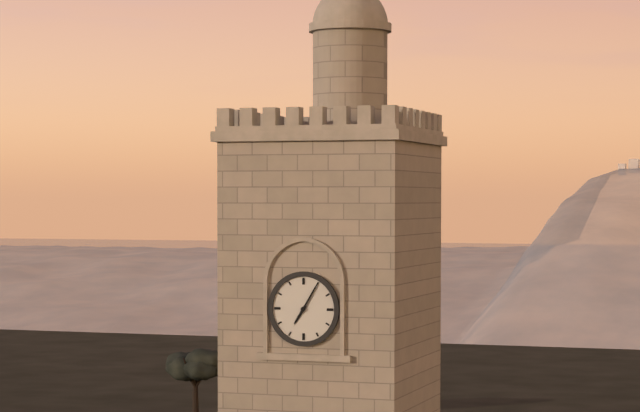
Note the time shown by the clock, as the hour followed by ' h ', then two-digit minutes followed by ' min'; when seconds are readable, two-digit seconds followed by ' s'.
7 h 05 min
